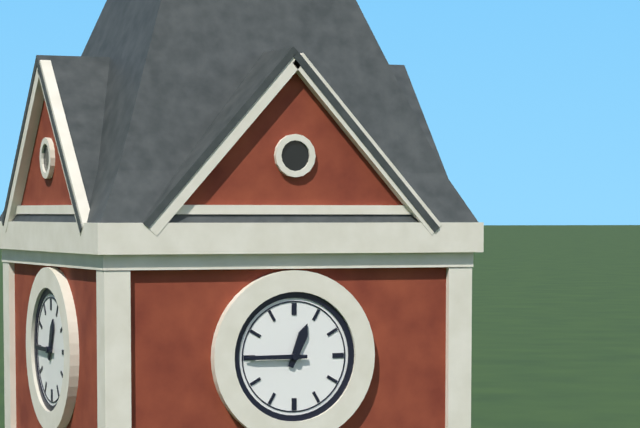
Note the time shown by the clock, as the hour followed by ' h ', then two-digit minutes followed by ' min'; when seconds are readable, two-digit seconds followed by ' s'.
12 h 45 min
